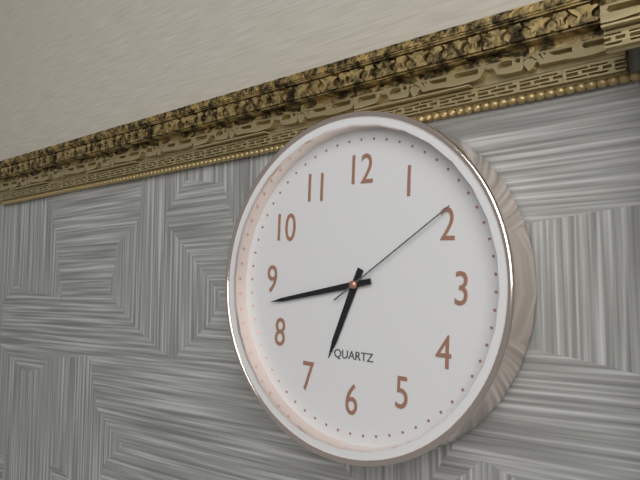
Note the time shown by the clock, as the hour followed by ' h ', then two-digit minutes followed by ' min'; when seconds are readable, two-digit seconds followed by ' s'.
6 h 43 min 09 s
